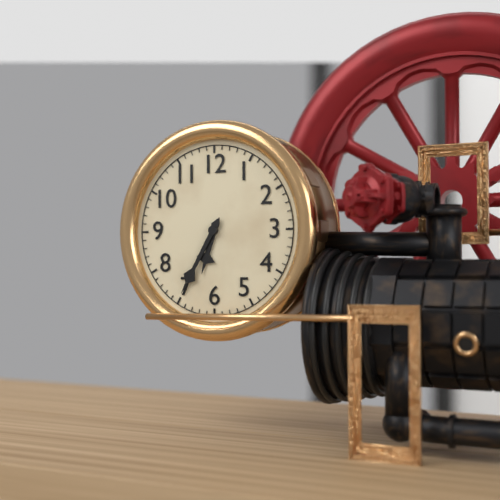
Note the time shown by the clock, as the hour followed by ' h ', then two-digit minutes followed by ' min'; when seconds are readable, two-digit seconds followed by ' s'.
6 h 35 min
